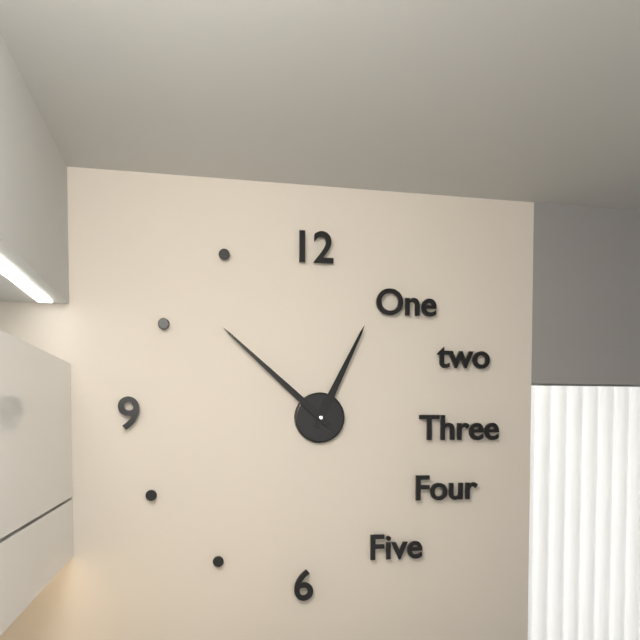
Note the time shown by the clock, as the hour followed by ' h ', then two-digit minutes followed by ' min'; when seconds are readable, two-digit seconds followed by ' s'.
12 h 52 min
